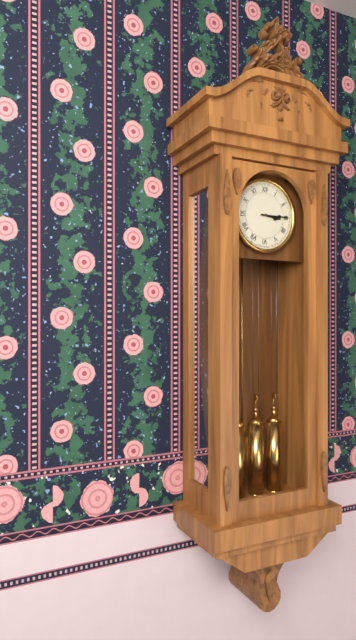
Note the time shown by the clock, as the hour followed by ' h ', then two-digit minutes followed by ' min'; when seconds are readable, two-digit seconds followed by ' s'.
3 h 15 min
